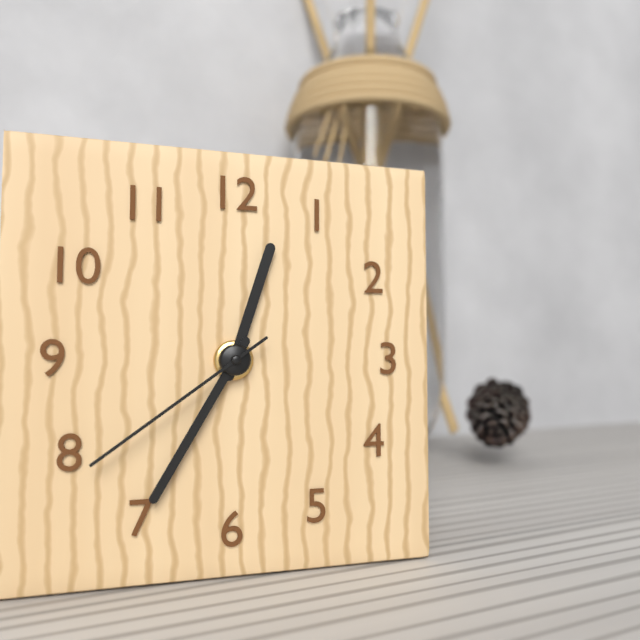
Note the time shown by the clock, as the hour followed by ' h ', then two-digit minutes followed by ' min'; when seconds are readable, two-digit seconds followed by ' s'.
12 h 35 min 39 s
